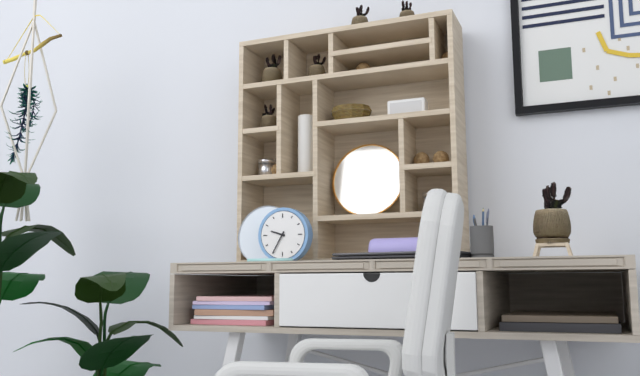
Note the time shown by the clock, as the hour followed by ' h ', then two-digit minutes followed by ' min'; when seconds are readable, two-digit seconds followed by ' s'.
9 h 35 min
